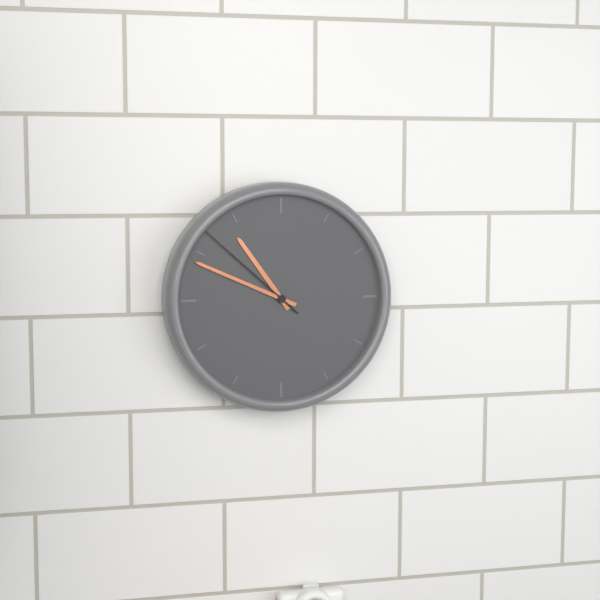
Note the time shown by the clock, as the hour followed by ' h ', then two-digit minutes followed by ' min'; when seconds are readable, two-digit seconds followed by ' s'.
10 h 49 min 52 s
